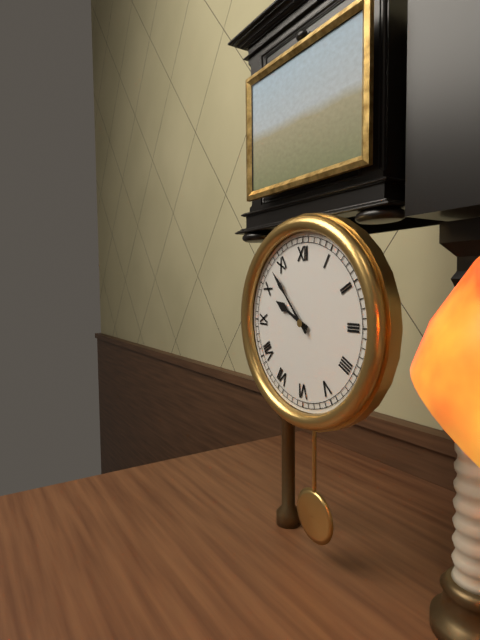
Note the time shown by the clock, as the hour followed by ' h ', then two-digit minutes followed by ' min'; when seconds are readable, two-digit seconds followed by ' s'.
9 h 53 min
